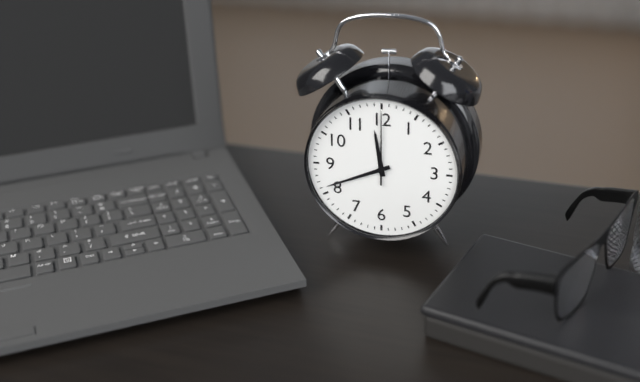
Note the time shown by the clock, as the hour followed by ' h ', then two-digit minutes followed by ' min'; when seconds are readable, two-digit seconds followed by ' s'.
11 h 41 min 00 s
